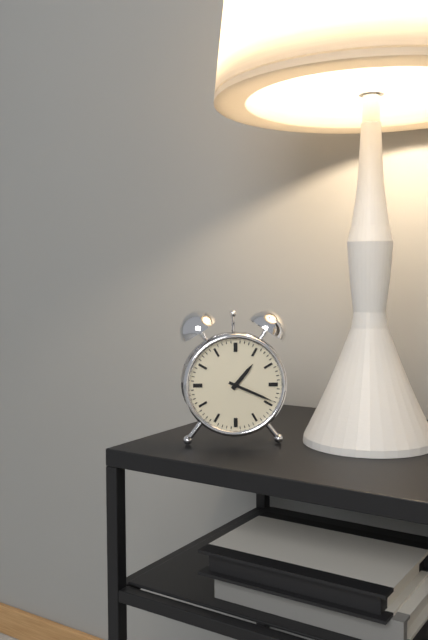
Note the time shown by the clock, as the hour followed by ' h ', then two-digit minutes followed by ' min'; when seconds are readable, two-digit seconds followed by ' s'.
1 h 19 min
